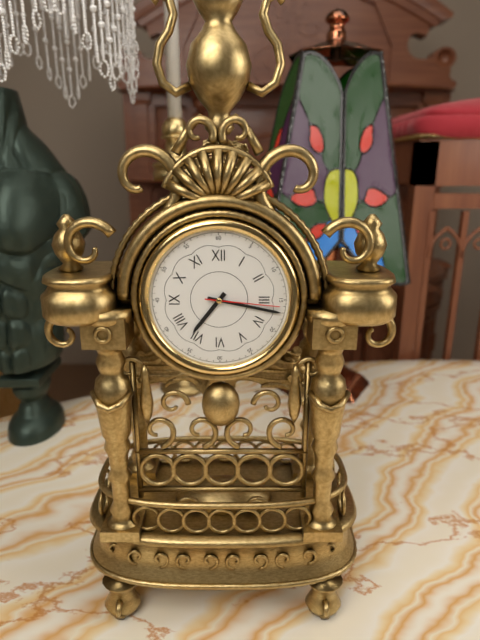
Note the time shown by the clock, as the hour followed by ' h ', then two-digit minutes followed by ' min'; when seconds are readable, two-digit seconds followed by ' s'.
7 h 17 min 16 s
